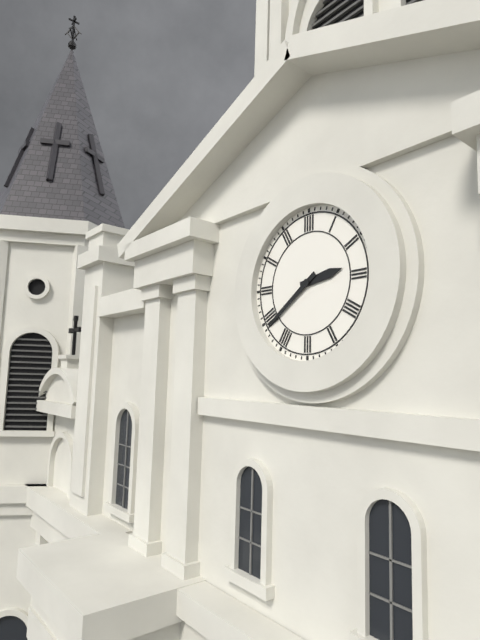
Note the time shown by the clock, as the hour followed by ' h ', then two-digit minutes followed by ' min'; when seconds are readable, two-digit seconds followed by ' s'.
2 h 39 min
